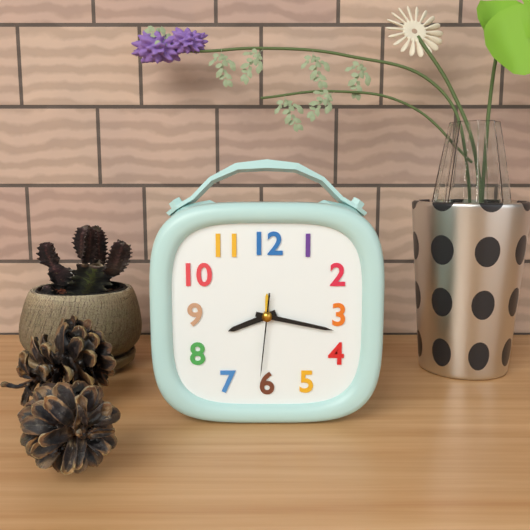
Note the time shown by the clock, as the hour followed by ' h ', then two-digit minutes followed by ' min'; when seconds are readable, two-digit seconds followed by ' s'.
8 h 17 min 31 s
